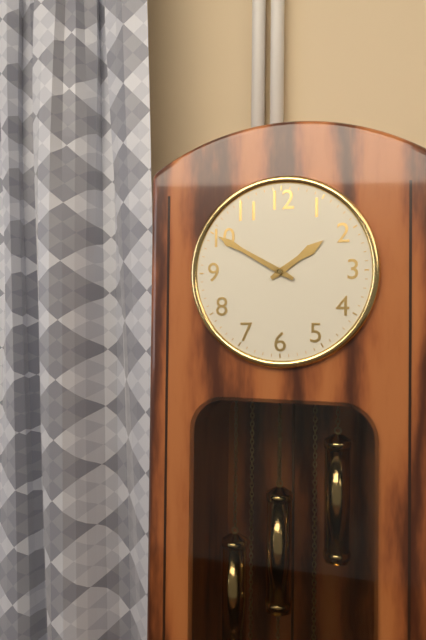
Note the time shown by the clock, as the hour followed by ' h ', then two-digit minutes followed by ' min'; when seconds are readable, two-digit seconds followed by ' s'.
1 h 50 min
